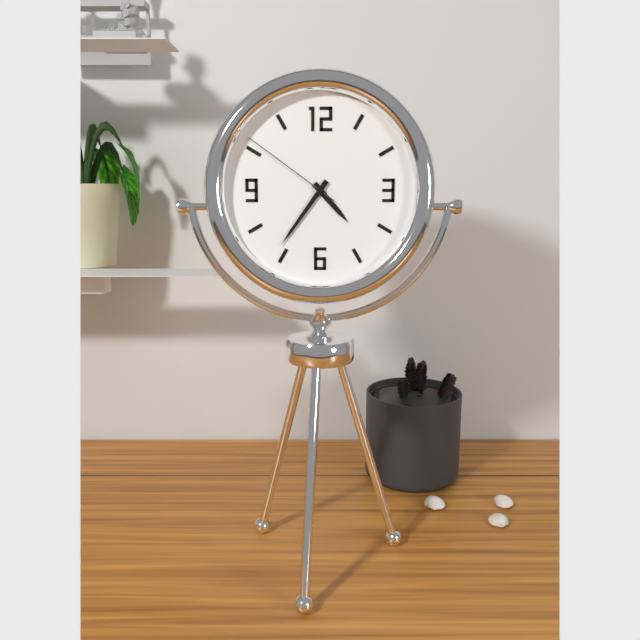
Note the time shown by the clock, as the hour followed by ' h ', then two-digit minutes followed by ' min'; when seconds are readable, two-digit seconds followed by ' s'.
4 h 36 min 51 s
